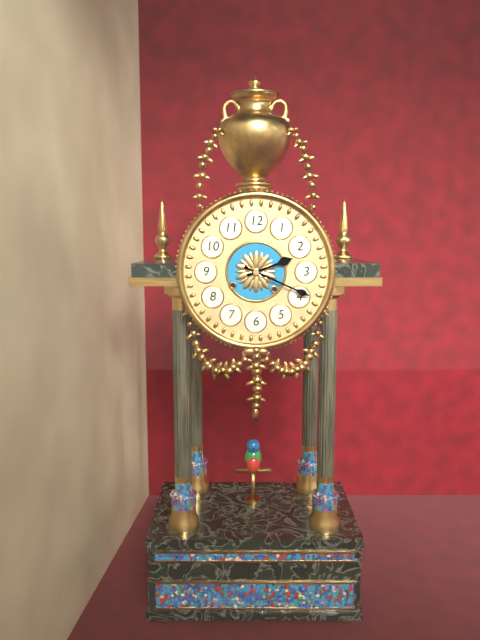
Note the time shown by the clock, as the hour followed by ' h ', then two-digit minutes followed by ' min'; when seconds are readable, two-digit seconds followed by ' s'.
2 h 19 min
